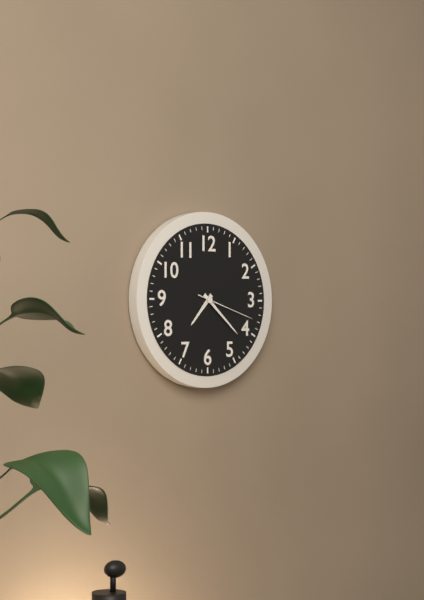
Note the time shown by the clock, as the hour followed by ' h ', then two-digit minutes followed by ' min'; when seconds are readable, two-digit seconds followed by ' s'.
7 h 22 min 18 s
